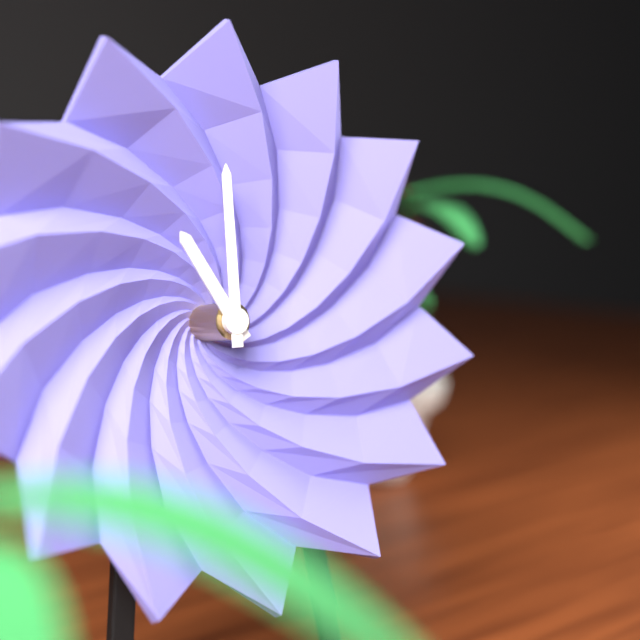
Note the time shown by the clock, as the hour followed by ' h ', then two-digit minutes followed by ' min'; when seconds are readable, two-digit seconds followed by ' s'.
11 h 00 min
